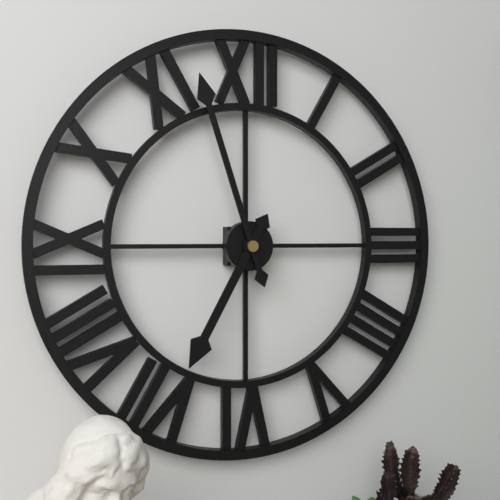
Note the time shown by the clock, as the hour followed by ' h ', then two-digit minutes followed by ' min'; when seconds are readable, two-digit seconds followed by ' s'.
6 h 57 min
